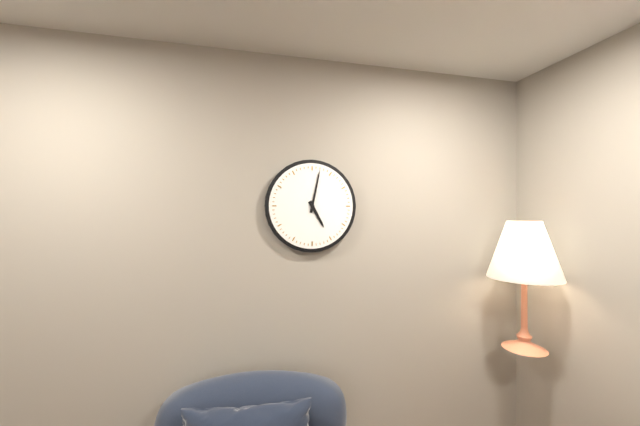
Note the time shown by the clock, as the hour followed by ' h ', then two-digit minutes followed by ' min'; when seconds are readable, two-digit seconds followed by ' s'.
5 h 02 min
